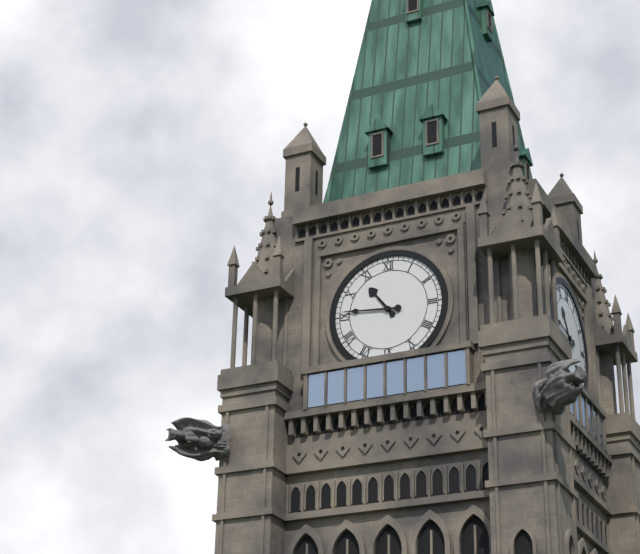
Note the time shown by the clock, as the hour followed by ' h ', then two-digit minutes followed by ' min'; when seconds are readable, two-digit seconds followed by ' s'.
10 h 46 min
